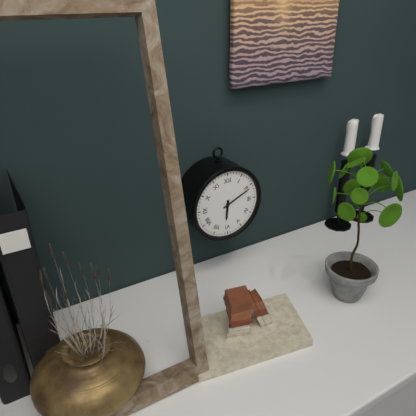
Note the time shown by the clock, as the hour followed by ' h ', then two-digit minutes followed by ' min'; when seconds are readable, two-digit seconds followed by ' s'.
6 h 11 min
